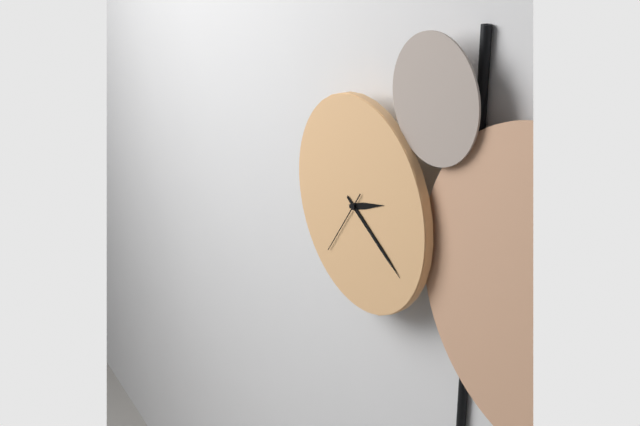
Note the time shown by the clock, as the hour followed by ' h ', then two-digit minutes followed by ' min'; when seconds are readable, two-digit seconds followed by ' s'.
2 h 20 min 36 s
